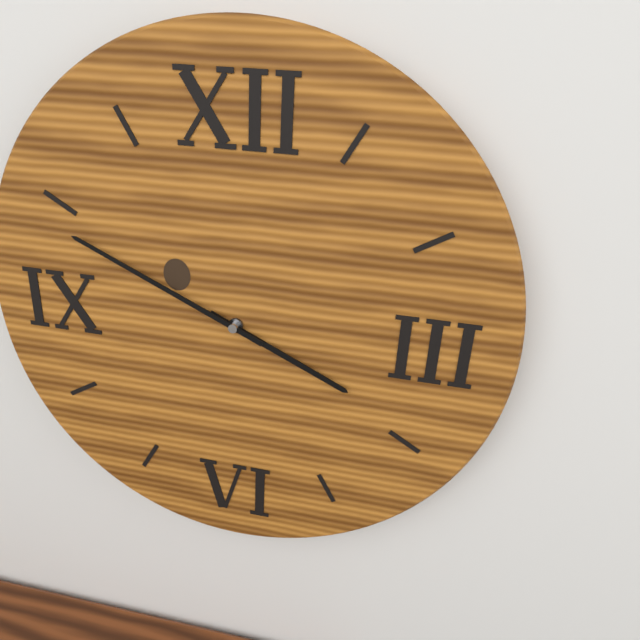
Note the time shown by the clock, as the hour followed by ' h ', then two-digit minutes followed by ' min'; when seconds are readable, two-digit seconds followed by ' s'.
3 h 49 min
